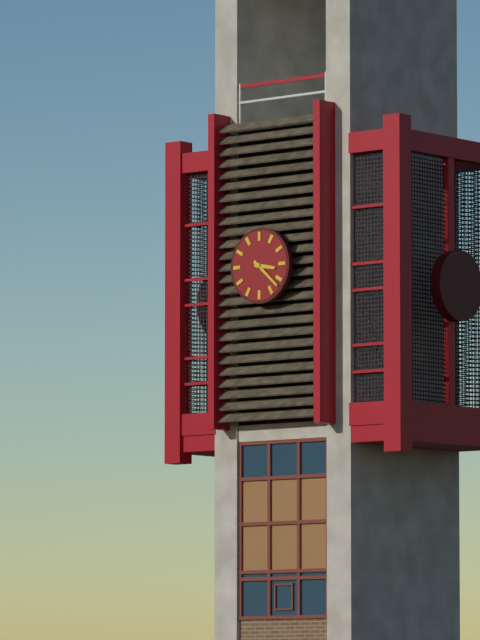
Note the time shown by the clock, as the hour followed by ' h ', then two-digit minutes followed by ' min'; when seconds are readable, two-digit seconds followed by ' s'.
3 h 22 min
